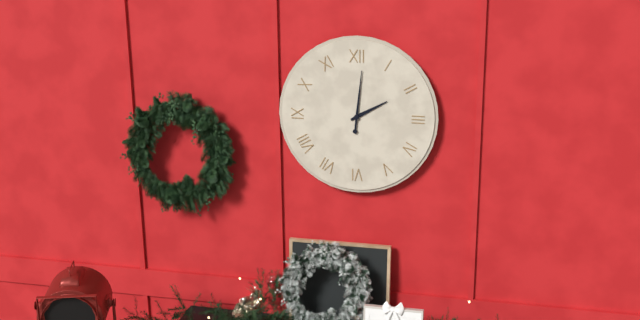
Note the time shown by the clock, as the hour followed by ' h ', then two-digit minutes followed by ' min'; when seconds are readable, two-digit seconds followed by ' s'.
2 h 01 min
